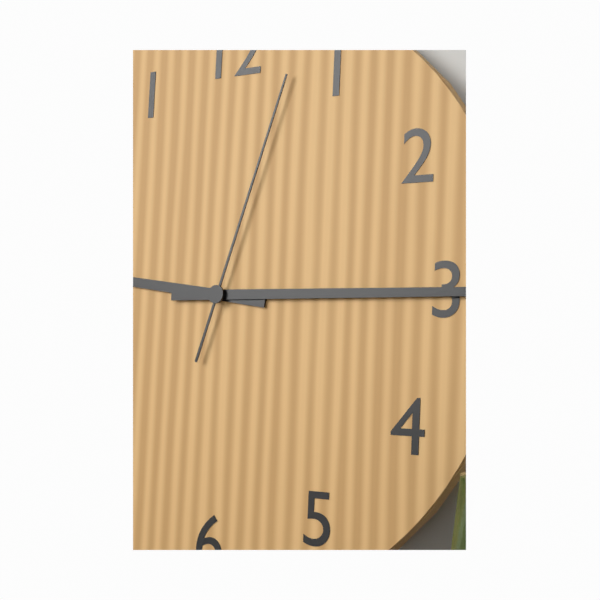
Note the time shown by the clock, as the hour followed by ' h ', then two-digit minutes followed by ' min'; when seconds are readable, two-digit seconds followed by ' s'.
9 h 15 min 03 s
